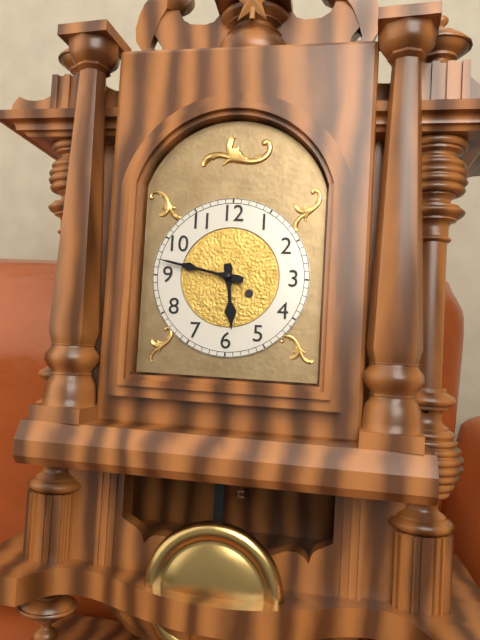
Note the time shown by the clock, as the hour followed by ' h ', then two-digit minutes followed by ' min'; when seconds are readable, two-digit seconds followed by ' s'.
5 h 47 min
